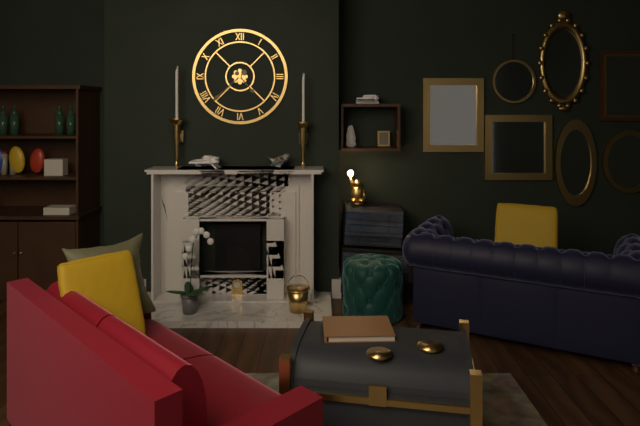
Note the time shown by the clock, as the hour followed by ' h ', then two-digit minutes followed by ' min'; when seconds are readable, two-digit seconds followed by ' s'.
4 h 38 min
